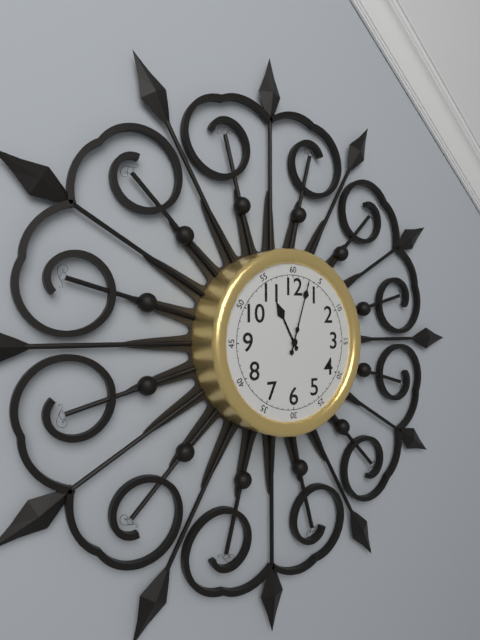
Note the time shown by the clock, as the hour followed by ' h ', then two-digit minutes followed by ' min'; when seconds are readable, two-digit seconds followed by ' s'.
11 h 03 min
